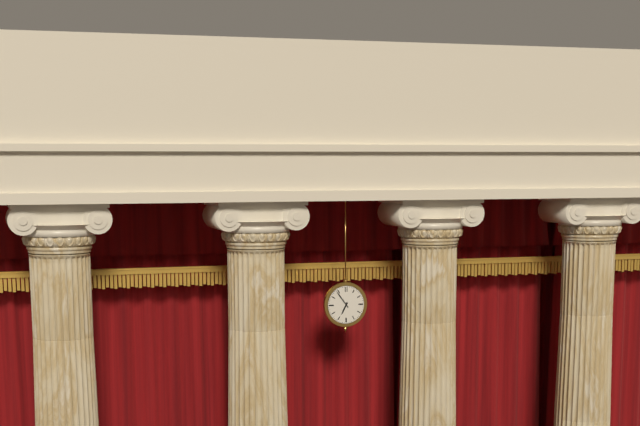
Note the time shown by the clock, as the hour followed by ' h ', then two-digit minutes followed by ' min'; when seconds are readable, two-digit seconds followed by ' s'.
6 h 54 min
